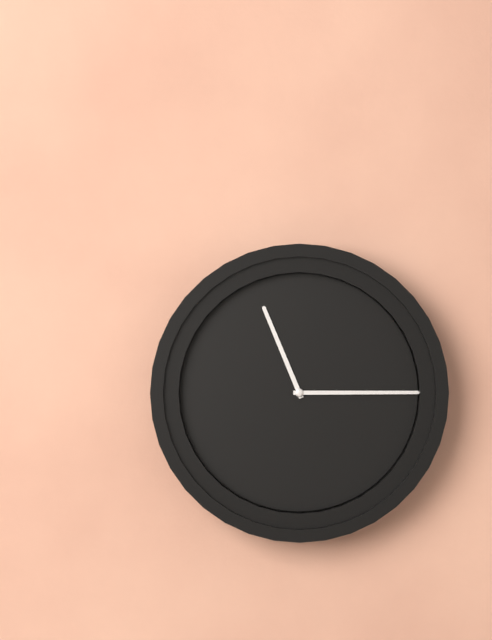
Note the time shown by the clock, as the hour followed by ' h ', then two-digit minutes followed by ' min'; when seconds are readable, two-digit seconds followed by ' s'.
11 h 15 min
